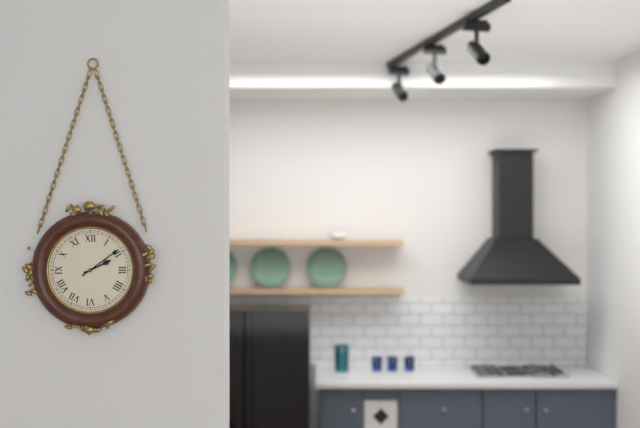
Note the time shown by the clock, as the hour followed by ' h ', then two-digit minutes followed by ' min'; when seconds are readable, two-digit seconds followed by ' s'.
2 h 09 min
